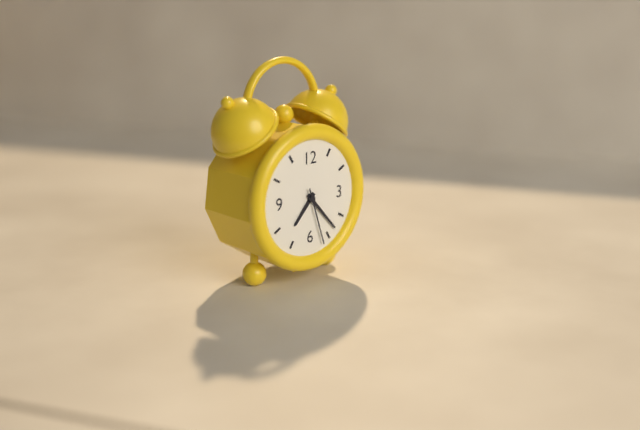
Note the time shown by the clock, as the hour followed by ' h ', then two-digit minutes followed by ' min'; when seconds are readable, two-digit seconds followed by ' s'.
7 h 23 min 27 s
